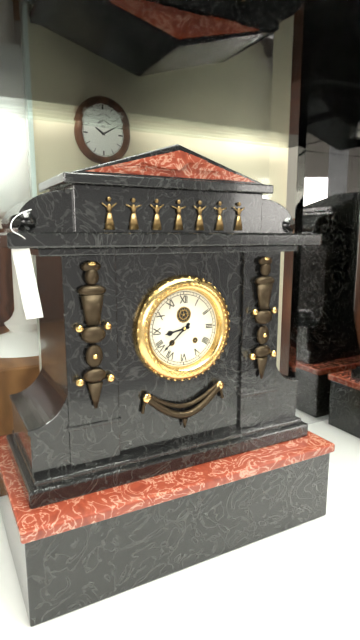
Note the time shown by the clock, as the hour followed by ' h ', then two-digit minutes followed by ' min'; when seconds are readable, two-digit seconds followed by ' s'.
8 h 38 min
